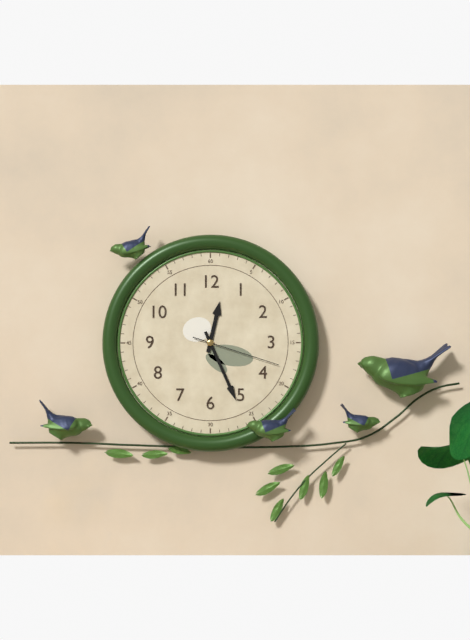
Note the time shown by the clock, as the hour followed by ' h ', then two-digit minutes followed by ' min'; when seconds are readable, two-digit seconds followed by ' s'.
12 h 26 min 18 s
